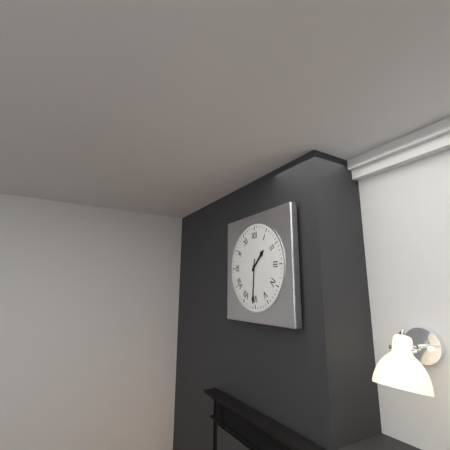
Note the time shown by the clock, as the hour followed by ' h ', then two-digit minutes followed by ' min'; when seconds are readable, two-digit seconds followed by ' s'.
1 h 31 min
